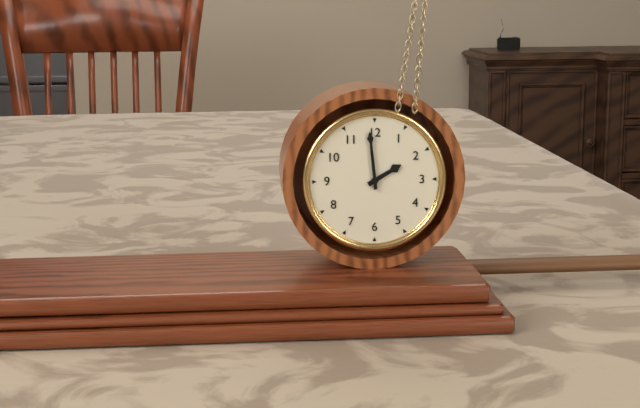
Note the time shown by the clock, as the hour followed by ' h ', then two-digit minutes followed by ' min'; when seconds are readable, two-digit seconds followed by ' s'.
1 h 59 min
